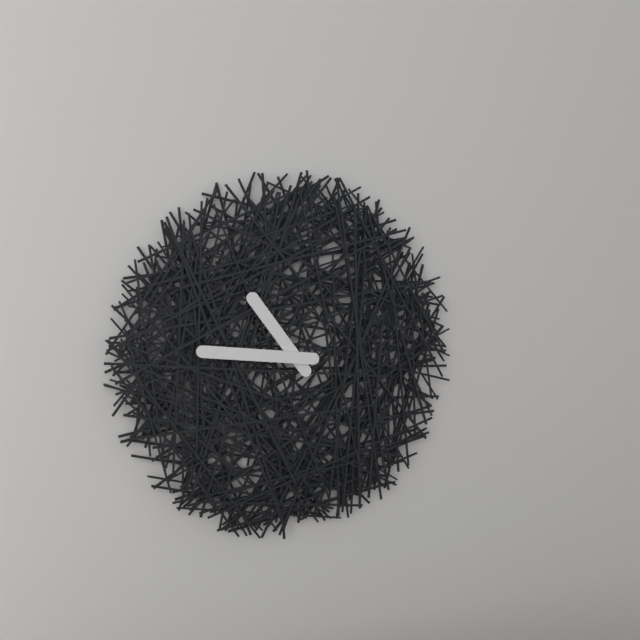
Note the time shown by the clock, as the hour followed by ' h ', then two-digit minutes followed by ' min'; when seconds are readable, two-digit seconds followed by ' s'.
10 h 46 min
